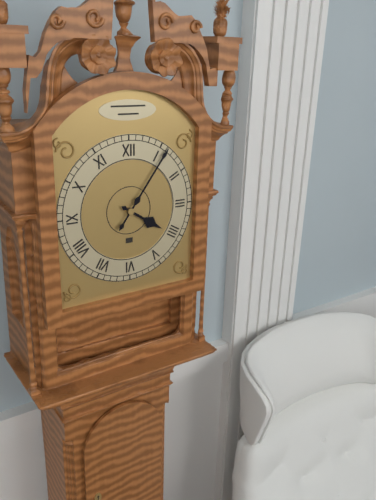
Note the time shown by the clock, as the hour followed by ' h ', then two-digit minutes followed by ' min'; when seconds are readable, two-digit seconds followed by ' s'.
4 h 06 min
